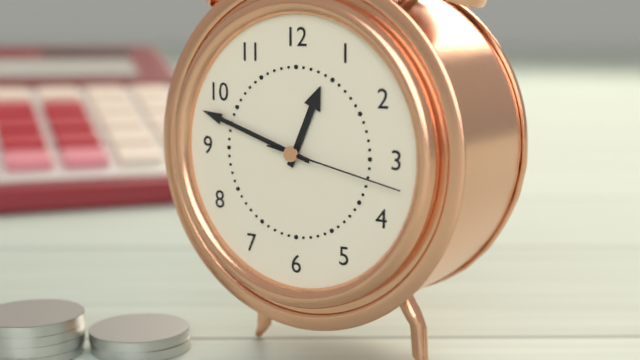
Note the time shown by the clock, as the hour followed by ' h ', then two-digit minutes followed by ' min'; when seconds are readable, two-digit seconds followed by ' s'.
12 h 48 min 17 s
